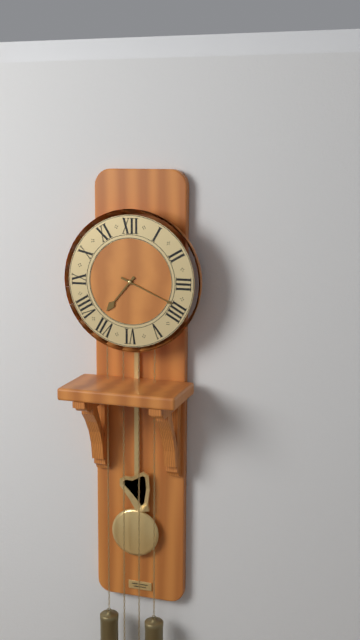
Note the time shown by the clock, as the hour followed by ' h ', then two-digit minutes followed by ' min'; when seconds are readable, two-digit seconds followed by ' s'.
7 h 19 min
